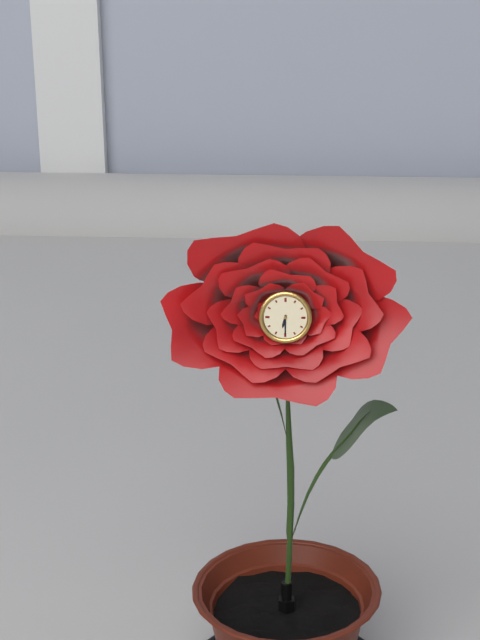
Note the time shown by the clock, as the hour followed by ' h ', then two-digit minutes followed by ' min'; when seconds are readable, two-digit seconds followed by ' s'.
6 h 30 min
